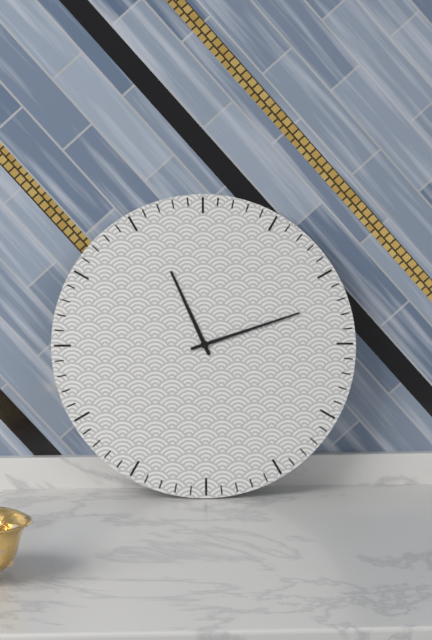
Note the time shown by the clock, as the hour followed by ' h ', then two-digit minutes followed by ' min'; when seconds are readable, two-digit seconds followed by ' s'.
11 h 12 min
